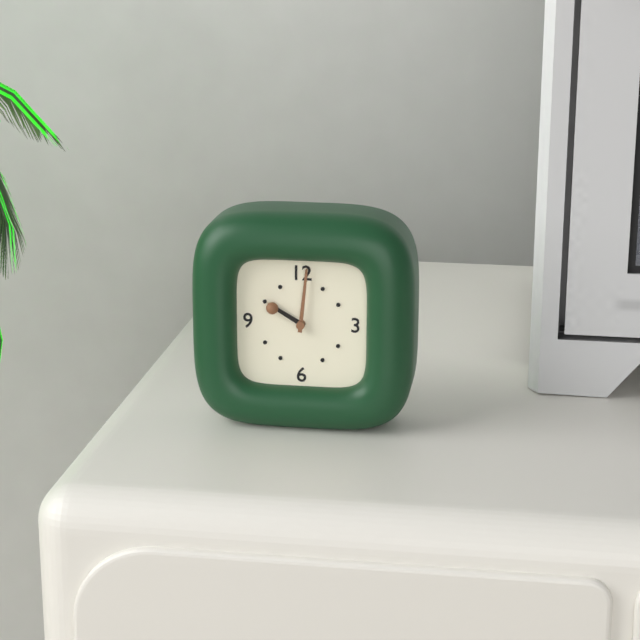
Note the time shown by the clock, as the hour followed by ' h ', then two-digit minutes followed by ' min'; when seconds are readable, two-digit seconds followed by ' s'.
10 h 01 min
